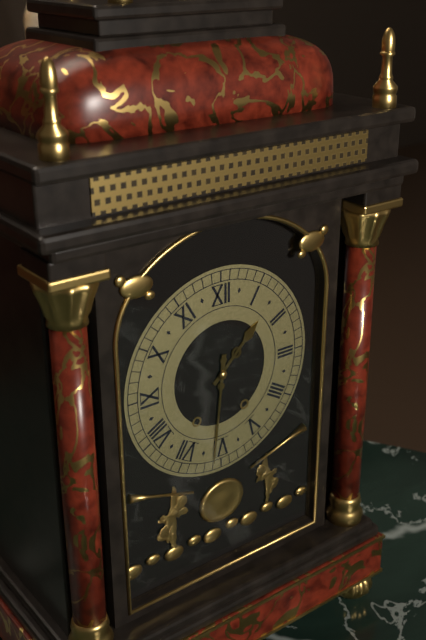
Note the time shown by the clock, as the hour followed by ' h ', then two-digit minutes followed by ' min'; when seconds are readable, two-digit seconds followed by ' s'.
1 h 31 min
